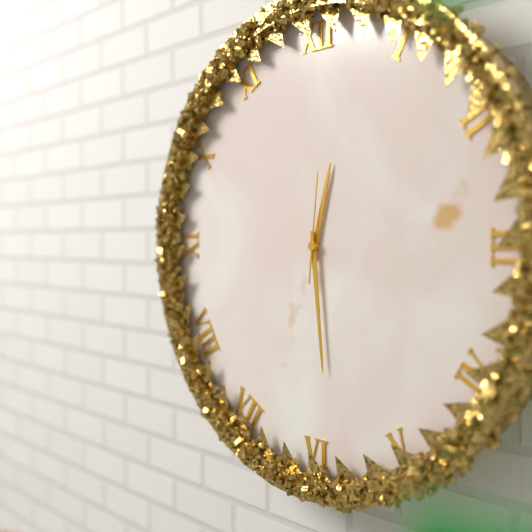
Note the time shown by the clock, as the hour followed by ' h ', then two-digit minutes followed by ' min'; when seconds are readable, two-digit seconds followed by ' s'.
12 h 29 min 01 s
